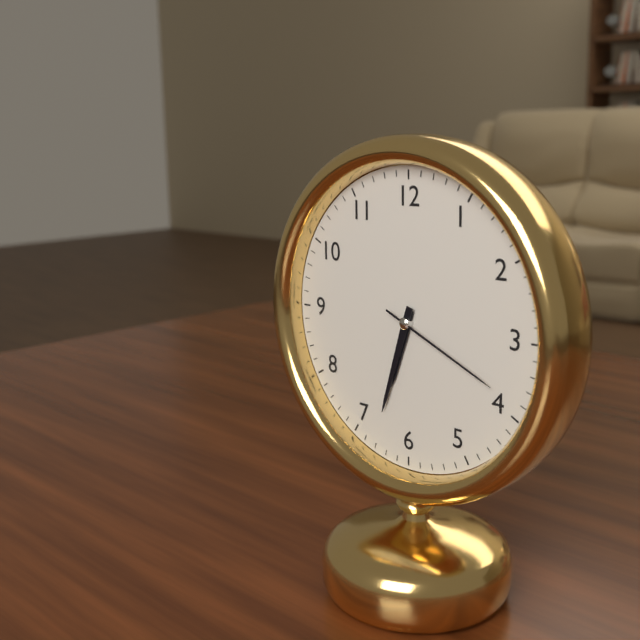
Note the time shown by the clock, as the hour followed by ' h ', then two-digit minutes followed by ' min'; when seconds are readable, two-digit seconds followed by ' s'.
6 h 33 min 19 s
